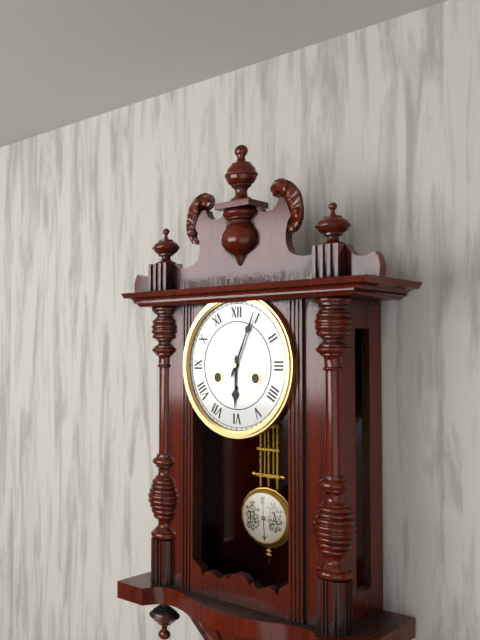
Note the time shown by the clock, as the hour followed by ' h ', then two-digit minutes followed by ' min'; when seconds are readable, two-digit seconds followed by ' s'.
6 h 04 min
